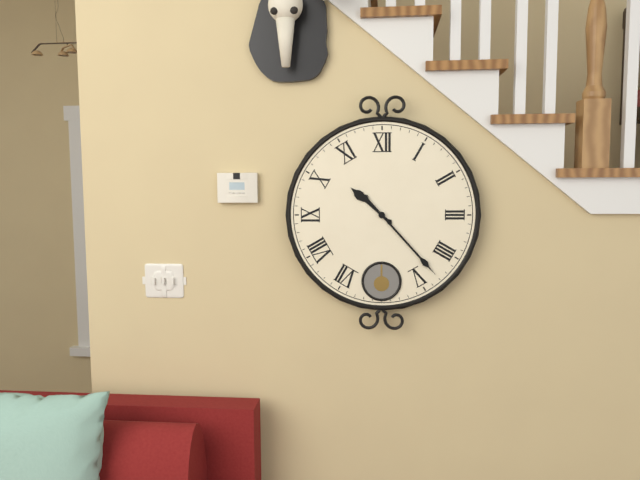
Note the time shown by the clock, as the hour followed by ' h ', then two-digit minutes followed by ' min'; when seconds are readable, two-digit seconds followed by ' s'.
10 h 23 min
